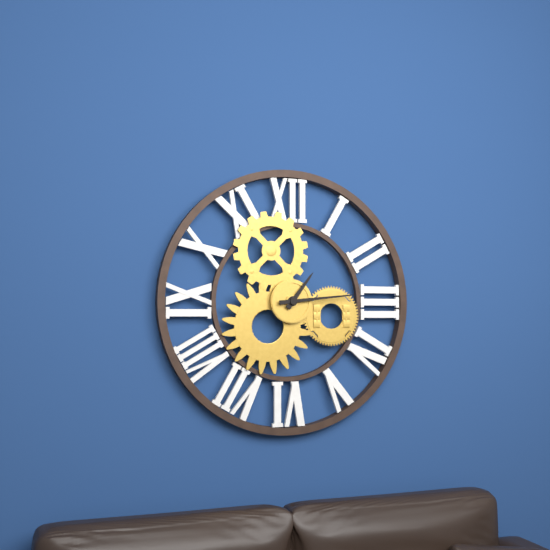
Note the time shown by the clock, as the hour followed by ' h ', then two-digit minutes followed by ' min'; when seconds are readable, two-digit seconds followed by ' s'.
1 h 14 min
